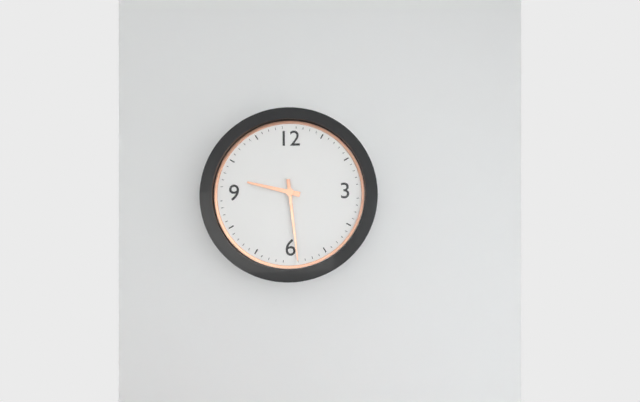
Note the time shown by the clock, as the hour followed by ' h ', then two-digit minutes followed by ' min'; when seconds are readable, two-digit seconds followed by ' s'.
9 h 29 min
